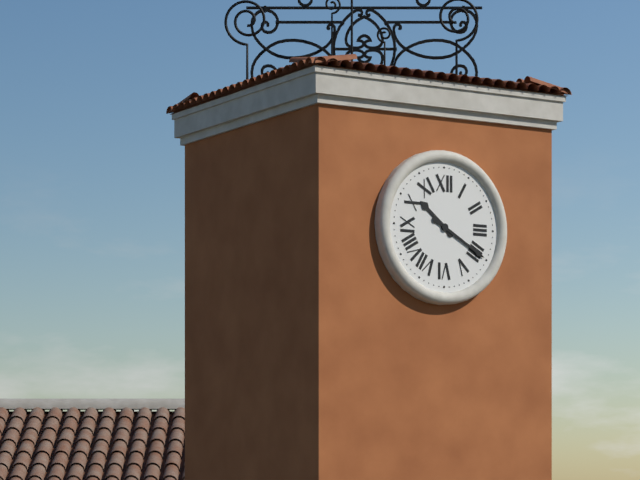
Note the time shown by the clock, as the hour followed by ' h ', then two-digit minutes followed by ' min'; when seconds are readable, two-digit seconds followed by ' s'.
10 h 20 min
